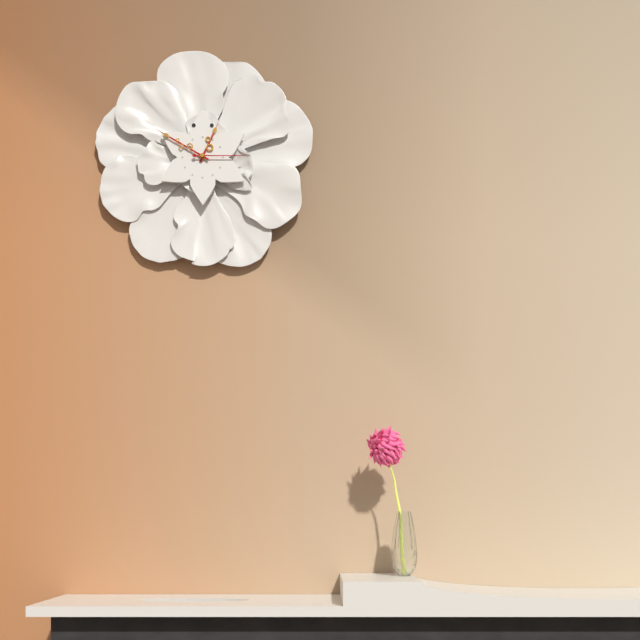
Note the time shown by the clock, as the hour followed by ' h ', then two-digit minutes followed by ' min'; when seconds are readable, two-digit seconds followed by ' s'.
12 h 50 min 15 s
